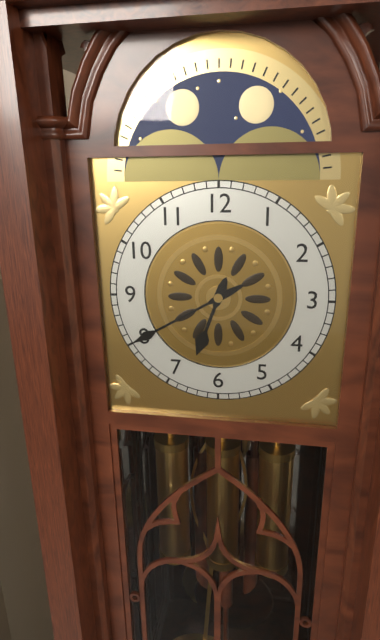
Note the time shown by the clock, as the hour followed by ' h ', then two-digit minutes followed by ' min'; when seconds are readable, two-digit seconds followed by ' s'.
6 h 40 min
